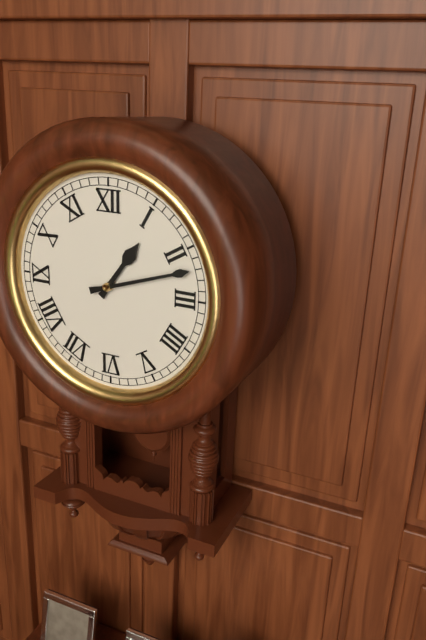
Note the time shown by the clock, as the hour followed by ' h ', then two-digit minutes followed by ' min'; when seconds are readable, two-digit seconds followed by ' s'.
1 h 12 min
